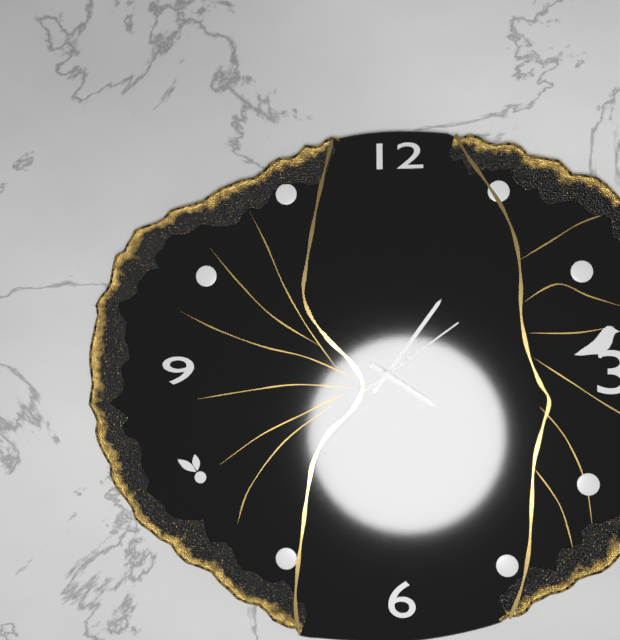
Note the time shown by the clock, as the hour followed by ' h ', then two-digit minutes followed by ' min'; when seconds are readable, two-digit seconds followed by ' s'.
4 h 06 min 09 s
